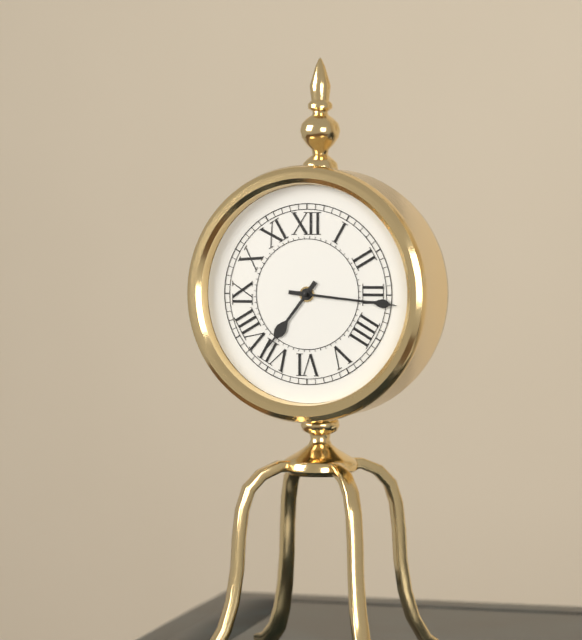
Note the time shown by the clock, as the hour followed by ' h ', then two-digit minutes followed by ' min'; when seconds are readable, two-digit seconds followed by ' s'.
7 h 16 min
